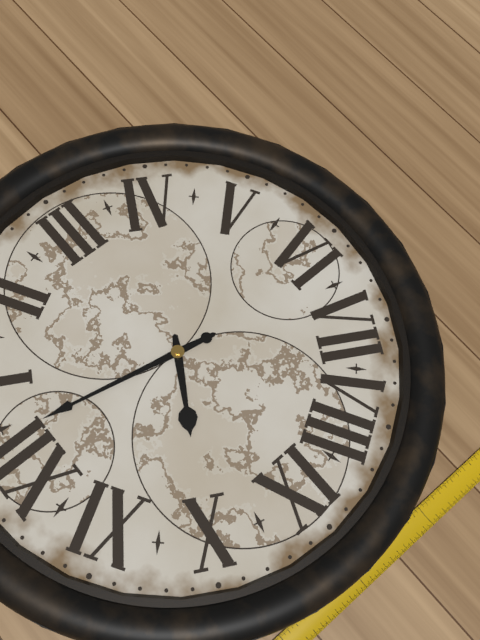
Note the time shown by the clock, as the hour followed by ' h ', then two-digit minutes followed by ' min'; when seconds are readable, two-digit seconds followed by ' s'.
10 h 02 min
